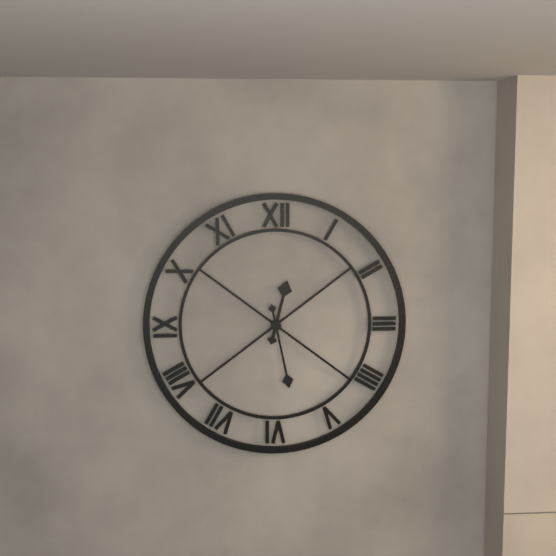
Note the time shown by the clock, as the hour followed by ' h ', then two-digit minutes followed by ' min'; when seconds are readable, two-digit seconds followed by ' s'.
12 h 28 min
